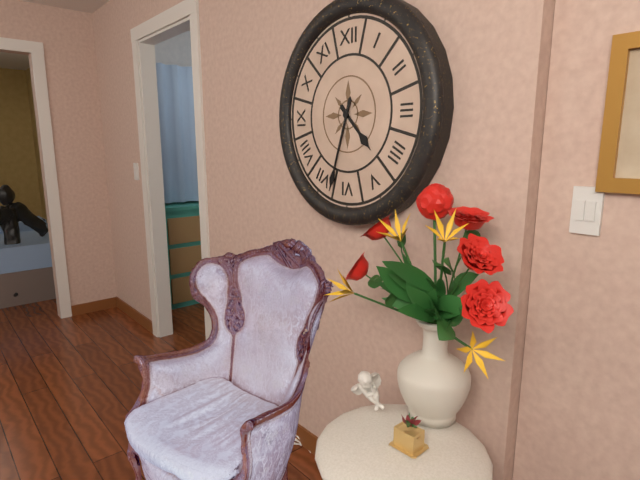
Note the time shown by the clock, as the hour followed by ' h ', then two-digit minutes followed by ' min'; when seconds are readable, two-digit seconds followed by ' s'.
4 h 33 min
